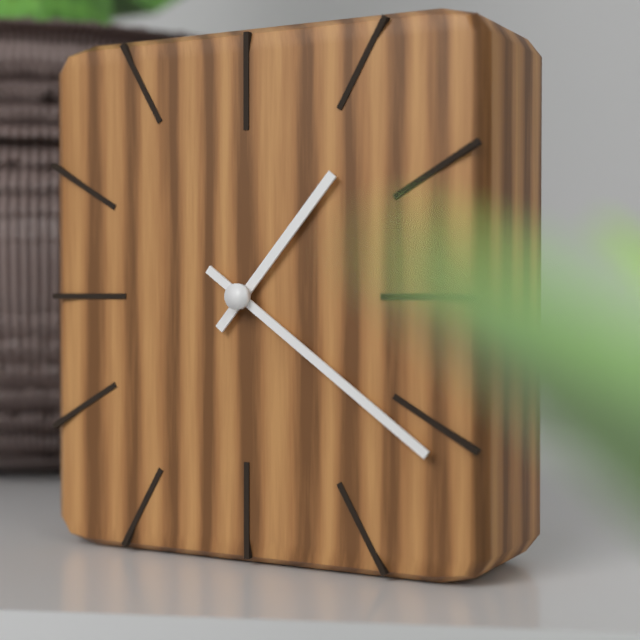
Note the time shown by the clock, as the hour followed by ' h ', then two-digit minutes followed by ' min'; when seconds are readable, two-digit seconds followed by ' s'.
1 h 21 min
